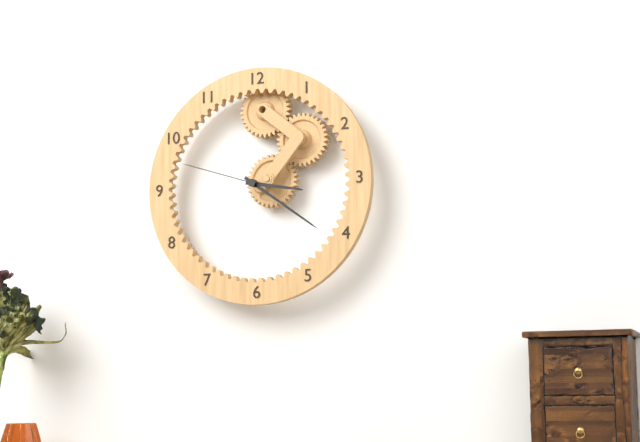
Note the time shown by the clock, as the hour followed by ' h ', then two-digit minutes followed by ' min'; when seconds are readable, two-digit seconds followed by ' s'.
3 h 21 min 48 s
